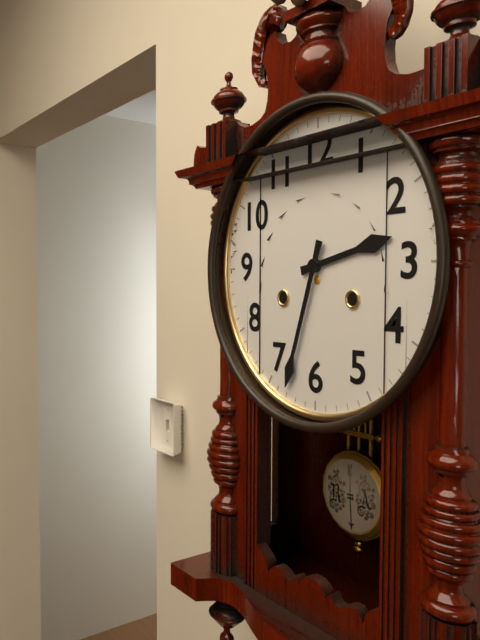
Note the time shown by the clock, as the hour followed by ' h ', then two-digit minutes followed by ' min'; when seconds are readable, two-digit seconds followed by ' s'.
2 h 33 min
